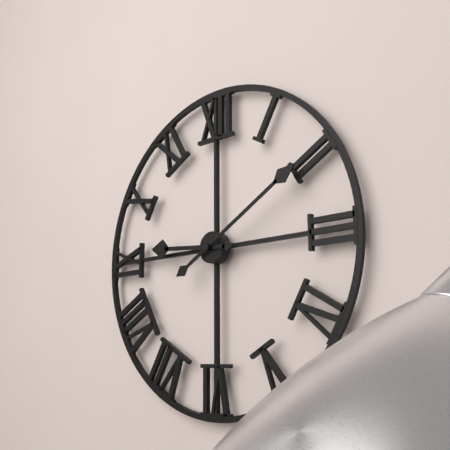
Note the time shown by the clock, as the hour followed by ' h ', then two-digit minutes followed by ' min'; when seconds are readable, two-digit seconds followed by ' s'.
9 h 10 min
